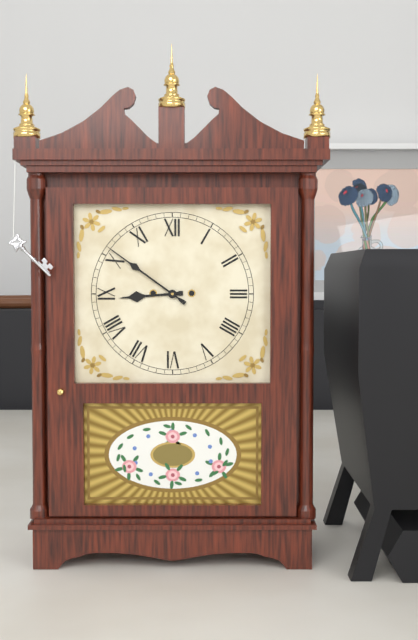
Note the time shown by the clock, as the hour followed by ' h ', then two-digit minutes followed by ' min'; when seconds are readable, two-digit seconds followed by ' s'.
8 h 51 min
